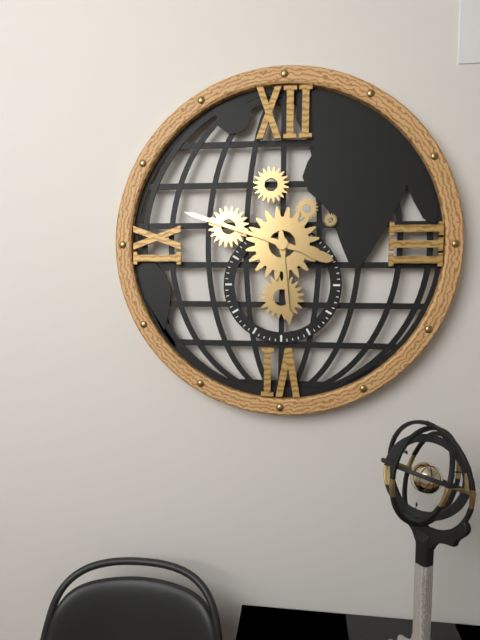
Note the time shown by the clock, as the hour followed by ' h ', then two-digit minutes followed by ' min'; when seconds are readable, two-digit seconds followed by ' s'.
5 h 48 min
